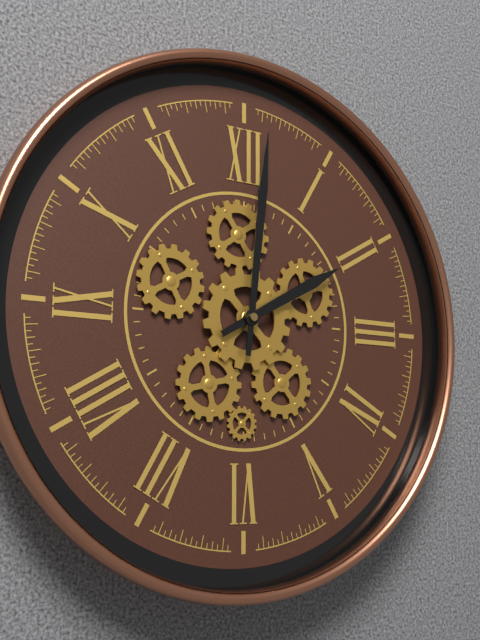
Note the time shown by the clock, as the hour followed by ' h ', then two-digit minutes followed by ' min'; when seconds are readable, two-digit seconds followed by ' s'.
2 h 01 min
